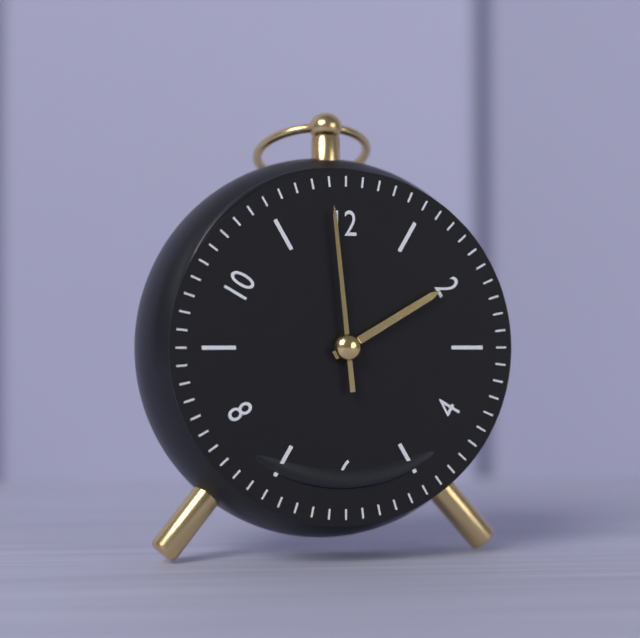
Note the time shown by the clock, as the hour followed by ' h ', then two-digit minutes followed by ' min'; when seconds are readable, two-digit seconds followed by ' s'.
1 h 59 min
